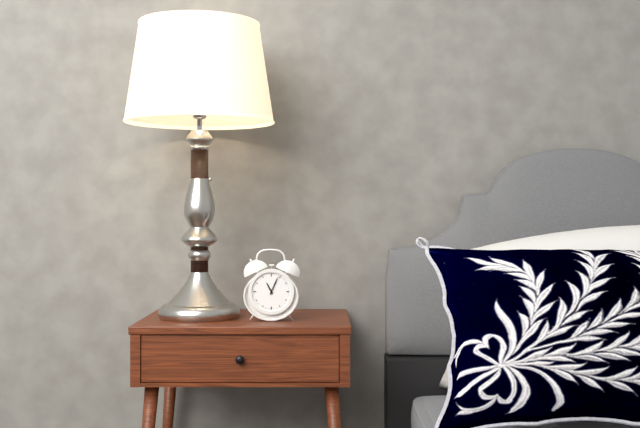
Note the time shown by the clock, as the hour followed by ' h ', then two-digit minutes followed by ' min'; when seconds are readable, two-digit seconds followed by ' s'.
11 h 04 min
